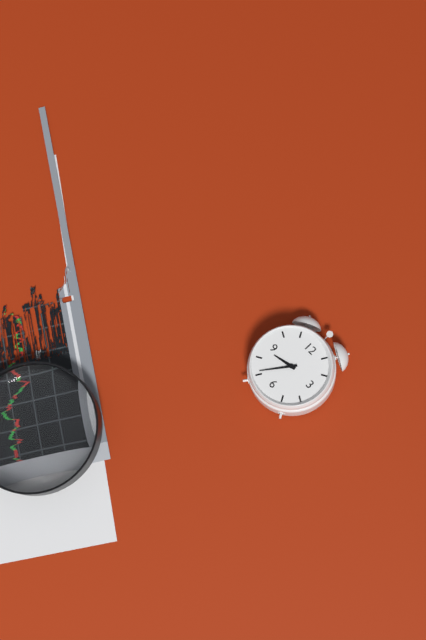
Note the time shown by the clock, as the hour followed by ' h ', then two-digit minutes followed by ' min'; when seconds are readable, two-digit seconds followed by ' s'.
8 h 36 min
